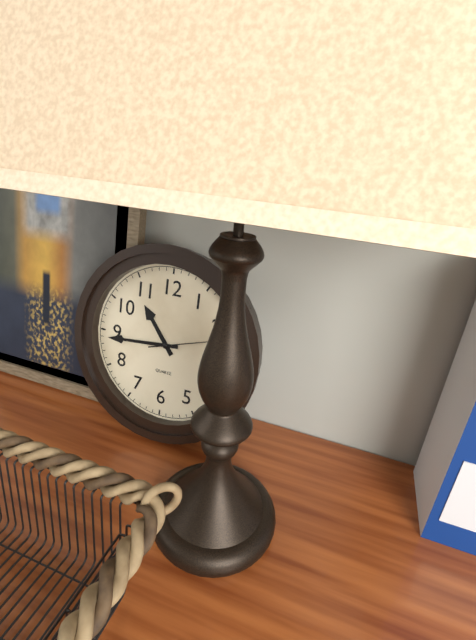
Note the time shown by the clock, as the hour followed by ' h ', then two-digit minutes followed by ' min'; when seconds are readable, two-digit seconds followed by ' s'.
10 h 44 min
